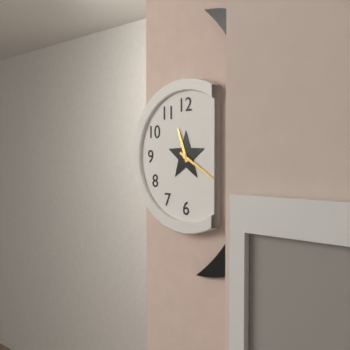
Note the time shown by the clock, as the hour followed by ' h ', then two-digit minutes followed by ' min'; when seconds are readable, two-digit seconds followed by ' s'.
11 h 20 min
